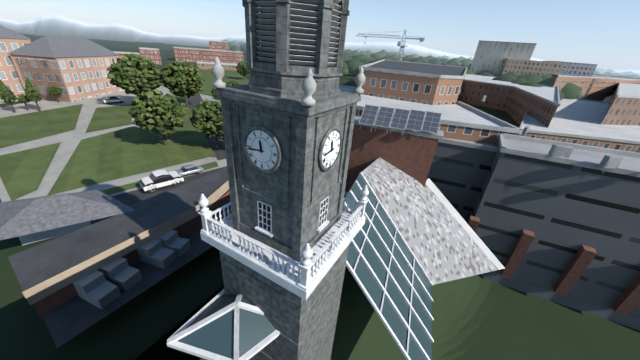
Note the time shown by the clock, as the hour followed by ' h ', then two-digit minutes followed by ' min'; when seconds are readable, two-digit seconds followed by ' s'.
11 h 44 min
